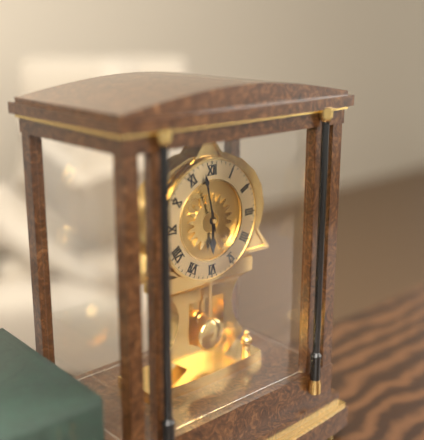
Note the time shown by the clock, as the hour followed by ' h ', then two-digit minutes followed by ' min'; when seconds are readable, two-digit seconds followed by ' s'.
5 h 58 min
